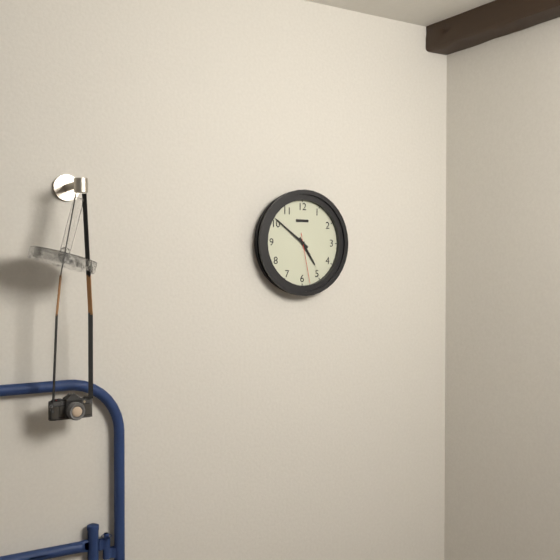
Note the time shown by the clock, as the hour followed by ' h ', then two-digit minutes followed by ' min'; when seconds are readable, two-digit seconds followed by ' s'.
4 h 51 min 28 s
